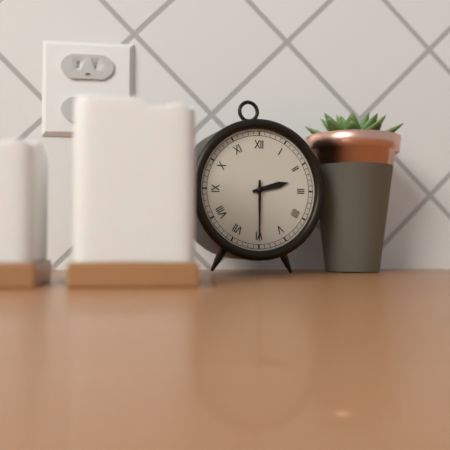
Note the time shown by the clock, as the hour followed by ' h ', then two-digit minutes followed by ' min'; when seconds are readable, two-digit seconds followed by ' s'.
2 h 30 min
